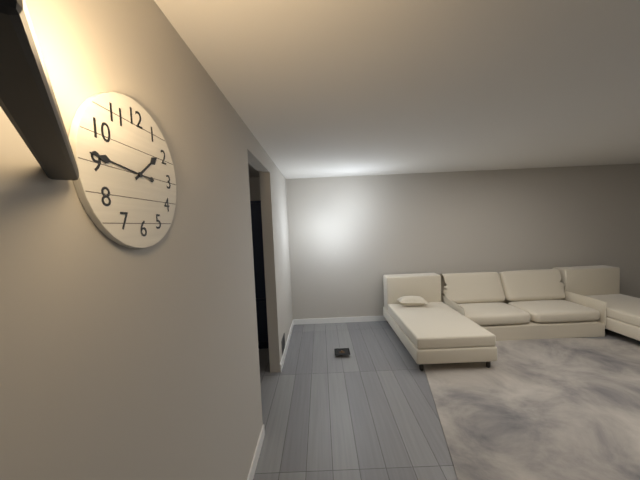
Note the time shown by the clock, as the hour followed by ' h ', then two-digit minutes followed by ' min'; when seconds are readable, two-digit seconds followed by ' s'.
1 h 46 min
